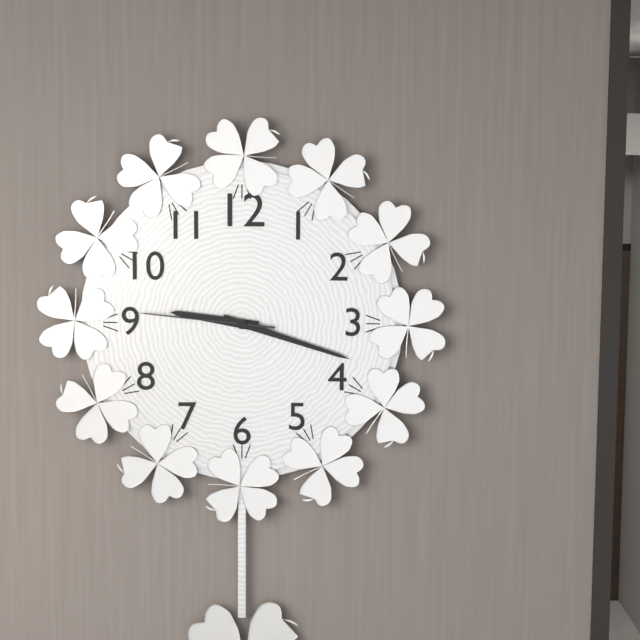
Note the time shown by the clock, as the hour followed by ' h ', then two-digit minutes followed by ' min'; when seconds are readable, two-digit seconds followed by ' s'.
9 h 18 min 46 s
